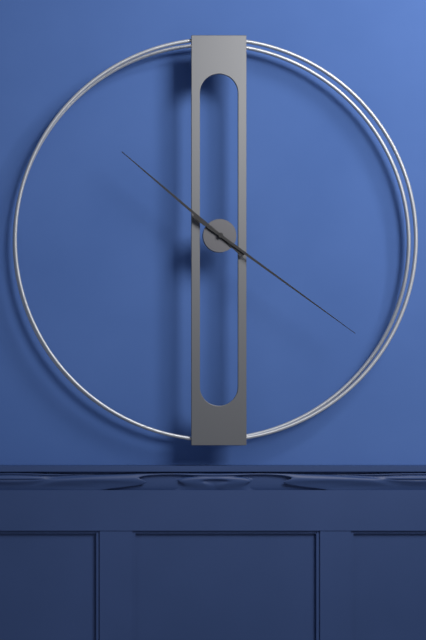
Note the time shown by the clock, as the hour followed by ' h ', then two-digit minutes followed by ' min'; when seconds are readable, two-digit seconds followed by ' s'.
10 h 21 min
